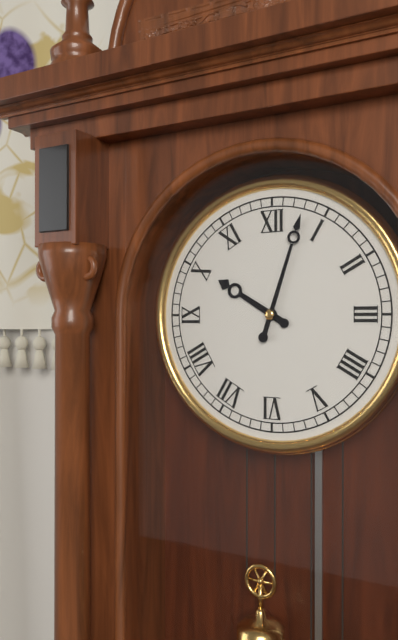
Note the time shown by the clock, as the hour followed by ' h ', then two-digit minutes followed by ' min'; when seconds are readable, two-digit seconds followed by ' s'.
10 h 03 min
